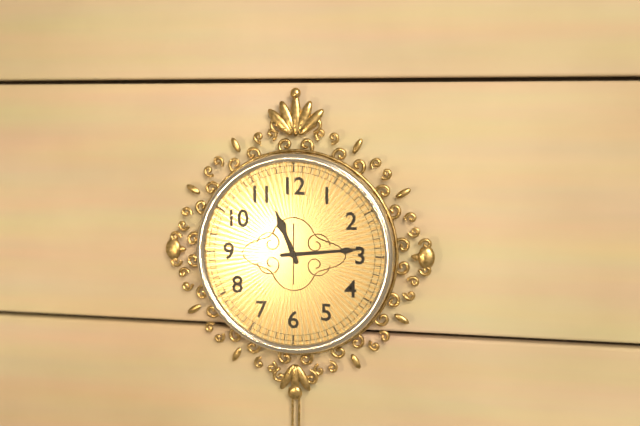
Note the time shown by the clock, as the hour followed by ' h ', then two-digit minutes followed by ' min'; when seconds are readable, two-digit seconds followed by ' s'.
11 h 14 min
